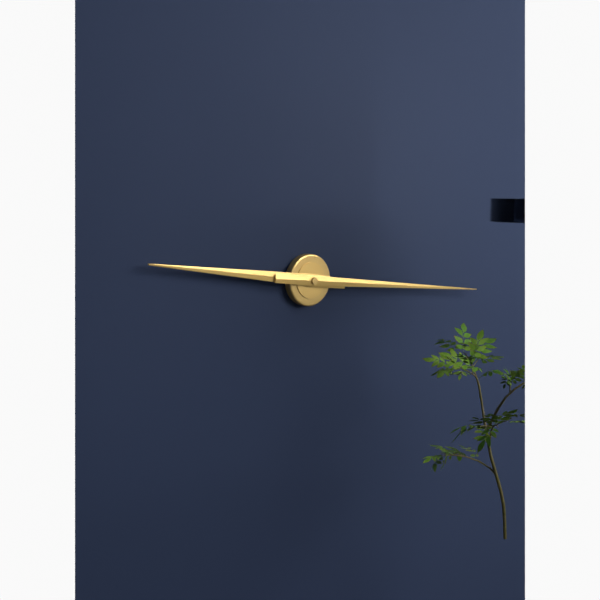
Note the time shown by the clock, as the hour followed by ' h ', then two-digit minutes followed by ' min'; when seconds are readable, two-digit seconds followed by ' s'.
9 h 16 min
